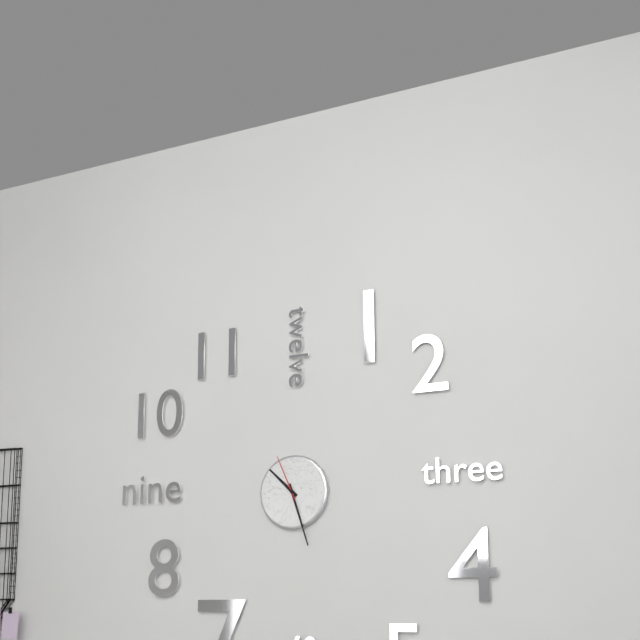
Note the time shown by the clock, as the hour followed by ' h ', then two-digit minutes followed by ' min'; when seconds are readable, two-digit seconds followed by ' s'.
10 h 27 min
